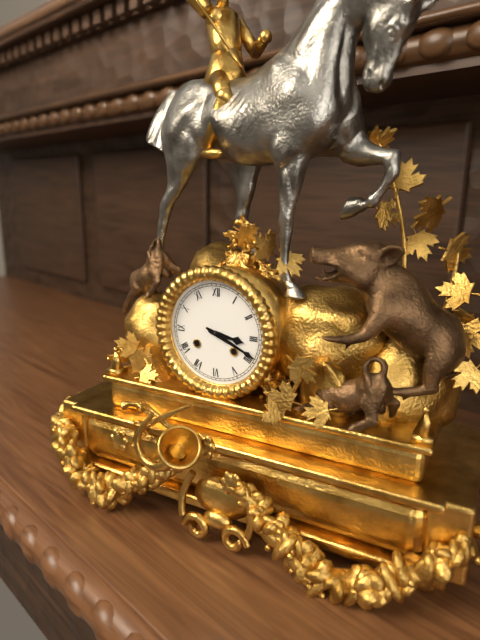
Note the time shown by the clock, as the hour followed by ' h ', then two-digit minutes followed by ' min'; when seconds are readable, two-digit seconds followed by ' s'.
3 h 19 min
